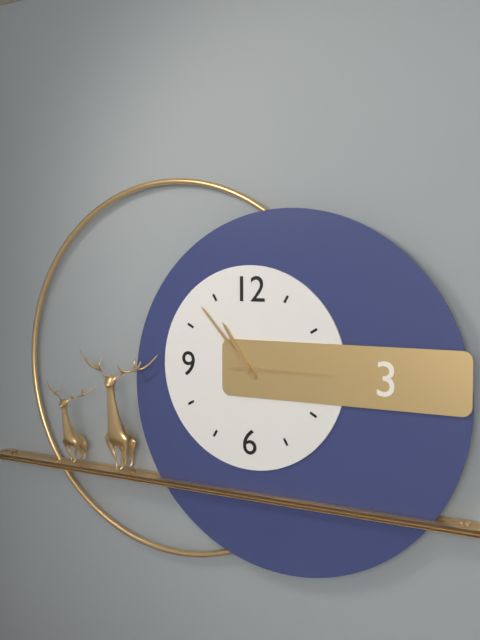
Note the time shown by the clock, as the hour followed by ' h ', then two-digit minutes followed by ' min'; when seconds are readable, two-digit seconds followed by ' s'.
10 h 53 min 15 s
